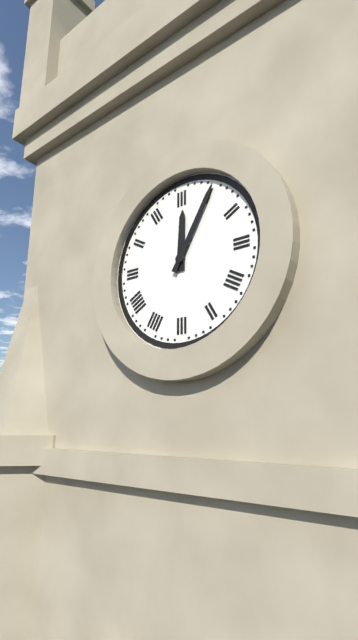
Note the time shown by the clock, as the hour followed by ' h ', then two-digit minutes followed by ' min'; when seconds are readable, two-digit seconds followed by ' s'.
12 h 05 min
